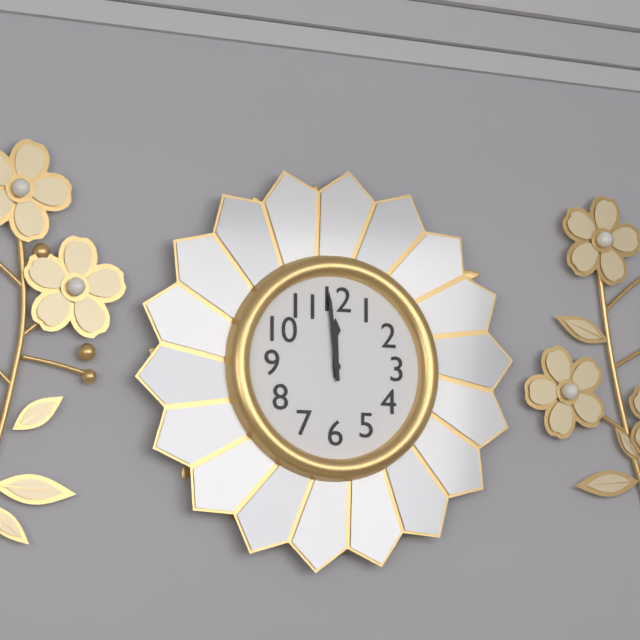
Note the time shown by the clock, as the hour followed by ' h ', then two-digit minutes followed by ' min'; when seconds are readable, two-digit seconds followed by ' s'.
11 h 59 min
